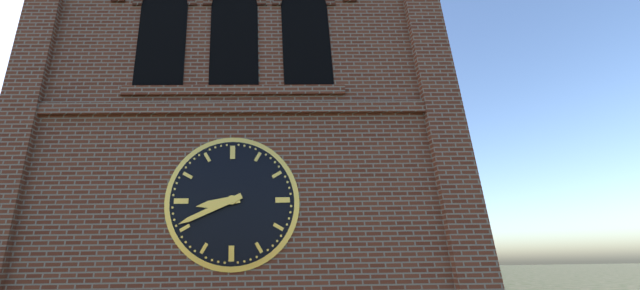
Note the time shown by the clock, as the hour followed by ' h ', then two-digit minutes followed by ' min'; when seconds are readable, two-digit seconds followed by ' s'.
8 h 41 min
